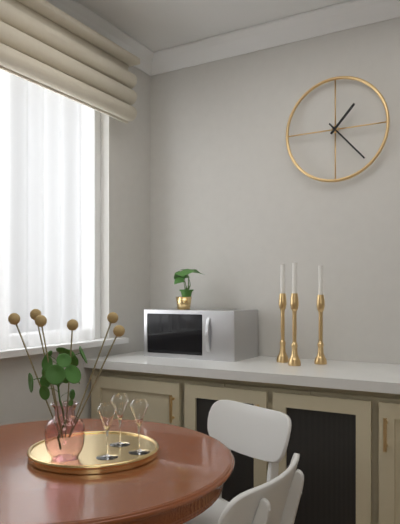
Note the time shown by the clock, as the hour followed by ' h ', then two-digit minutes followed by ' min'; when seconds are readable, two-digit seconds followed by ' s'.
1 h 23 min
